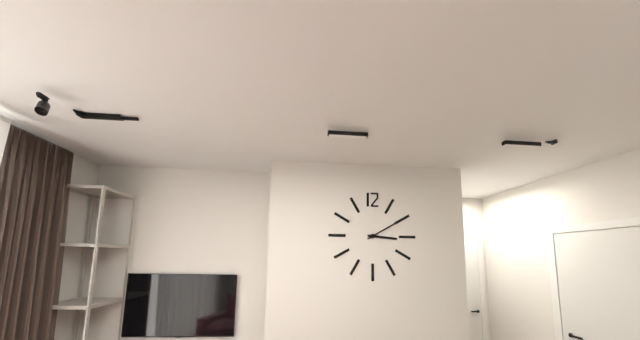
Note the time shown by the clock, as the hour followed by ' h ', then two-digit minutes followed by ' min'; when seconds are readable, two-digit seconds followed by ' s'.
3 h 10 min
